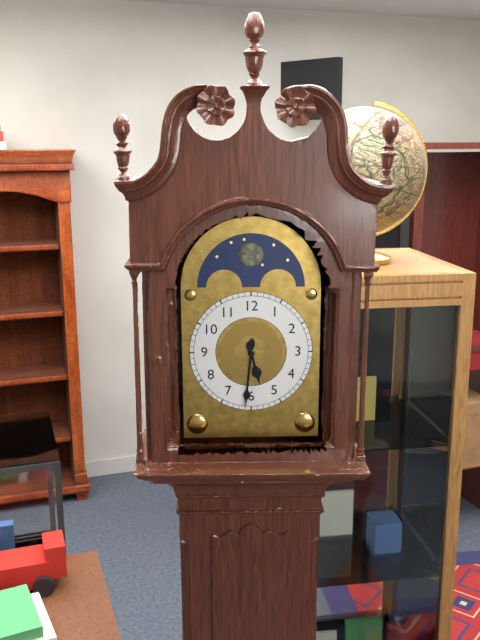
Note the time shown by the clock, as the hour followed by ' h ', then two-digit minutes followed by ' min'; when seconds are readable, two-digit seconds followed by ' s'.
5 h 31 min
